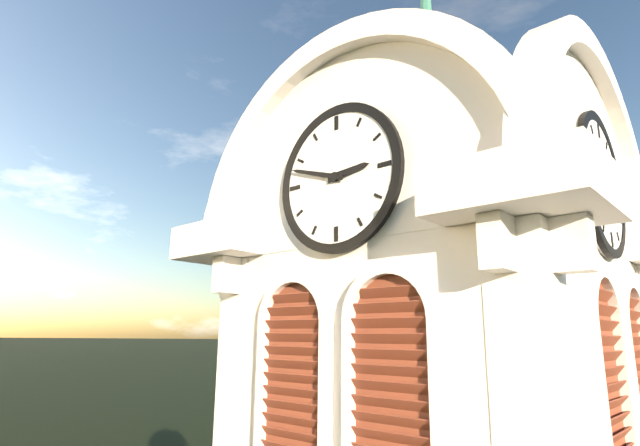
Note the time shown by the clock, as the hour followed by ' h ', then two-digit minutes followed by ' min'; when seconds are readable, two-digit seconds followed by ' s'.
2 h 48 min
